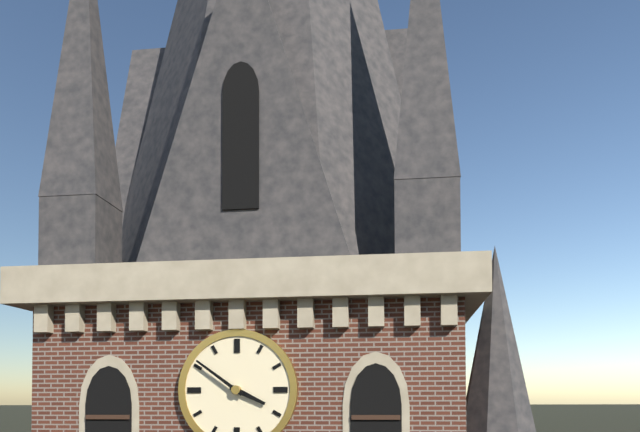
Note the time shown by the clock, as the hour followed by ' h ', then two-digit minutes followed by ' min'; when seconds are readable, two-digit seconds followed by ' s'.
3 h 51 min
